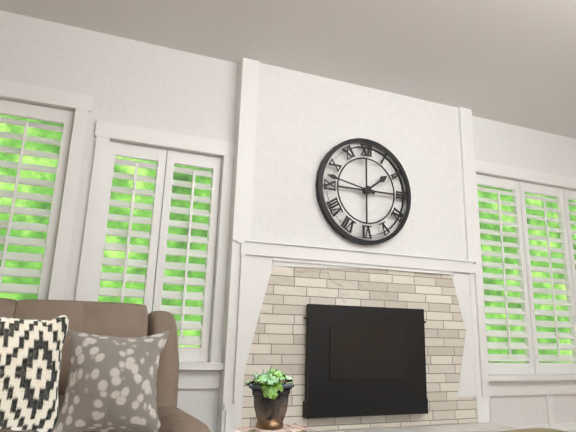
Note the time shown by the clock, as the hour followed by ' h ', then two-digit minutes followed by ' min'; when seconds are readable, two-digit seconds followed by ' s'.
1 h 47 min
